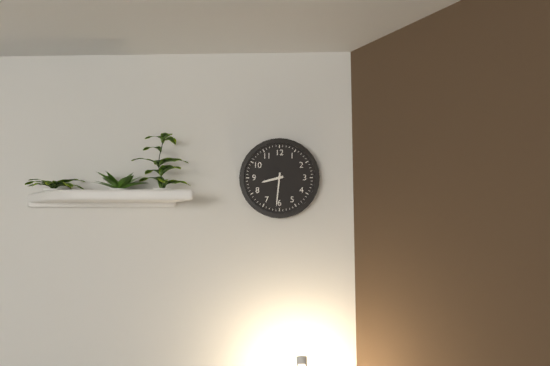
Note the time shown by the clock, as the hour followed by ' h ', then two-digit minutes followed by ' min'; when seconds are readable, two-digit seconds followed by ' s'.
8 h 31 min
